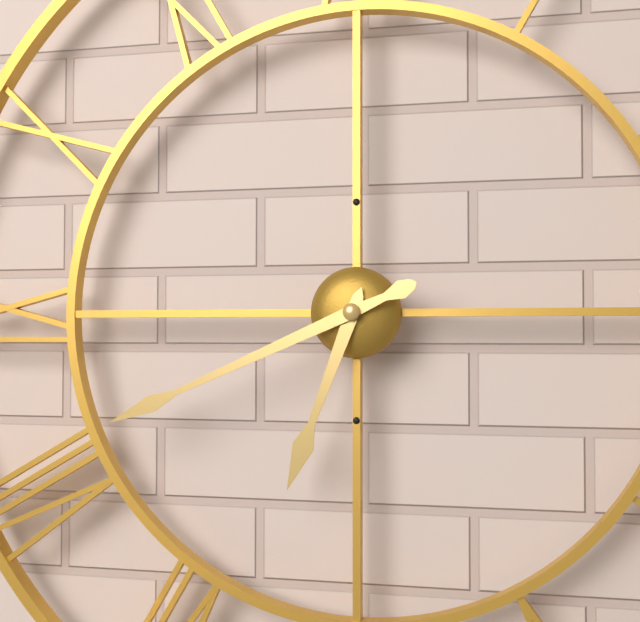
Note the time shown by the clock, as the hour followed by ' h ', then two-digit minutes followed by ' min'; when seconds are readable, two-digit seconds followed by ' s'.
6 h 41 min
